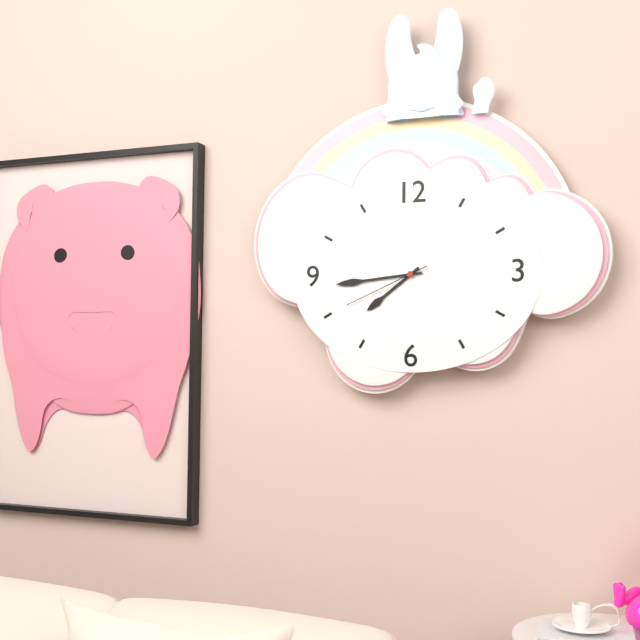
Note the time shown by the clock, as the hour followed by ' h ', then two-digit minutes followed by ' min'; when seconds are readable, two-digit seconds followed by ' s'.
7 h 44 min 41 s
